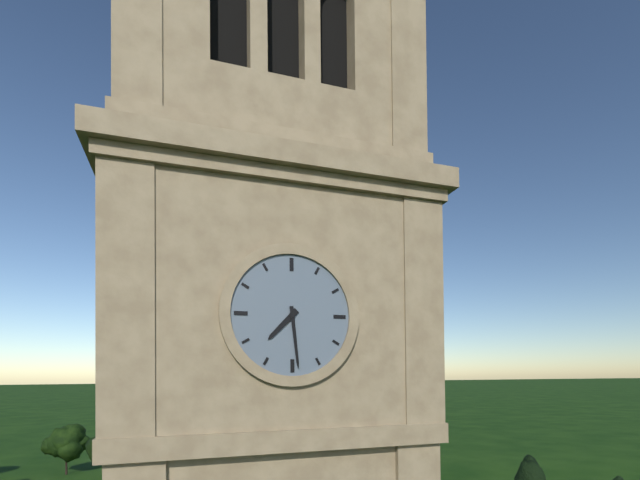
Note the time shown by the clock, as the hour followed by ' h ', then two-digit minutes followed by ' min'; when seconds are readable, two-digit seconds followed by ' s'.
7 h 29 min
